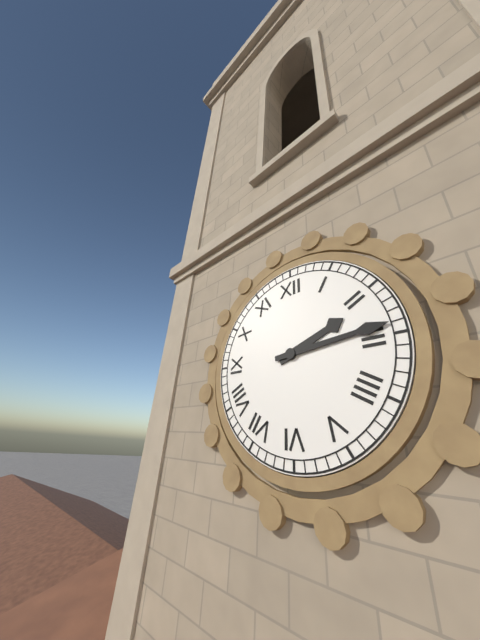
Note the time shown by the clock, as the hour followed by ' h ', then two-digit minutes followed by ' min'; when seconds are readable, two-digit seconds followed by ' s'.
2 h 14 min
